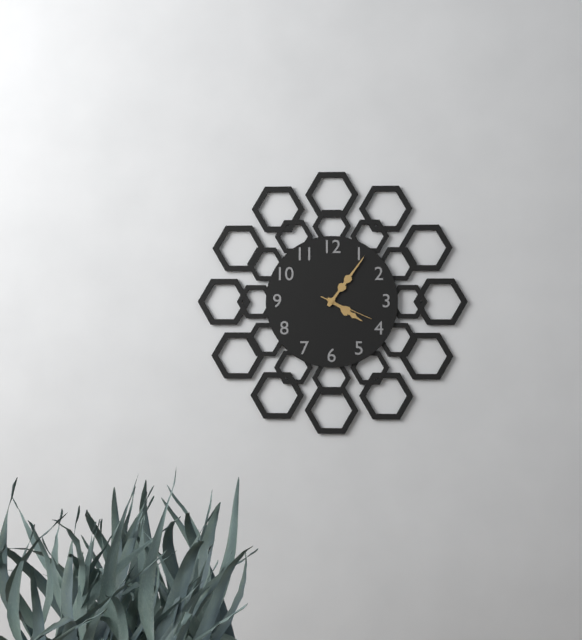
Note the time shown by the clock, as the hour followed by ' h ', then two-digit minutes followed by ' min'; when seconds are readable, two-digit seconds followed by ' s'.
4 h 06 min 19 s
